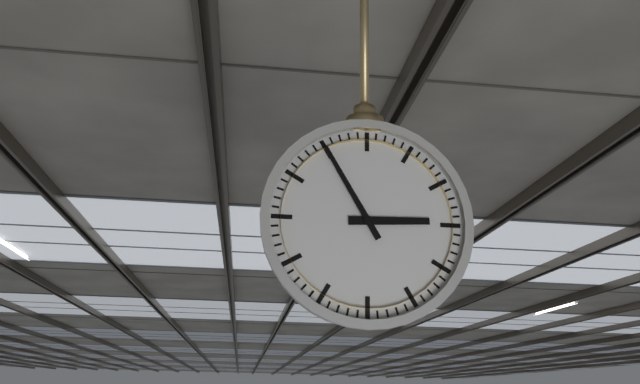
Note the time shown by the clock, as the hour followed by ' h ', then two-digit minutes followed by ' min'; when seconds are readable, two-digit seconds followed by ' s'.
2 h 55 min
